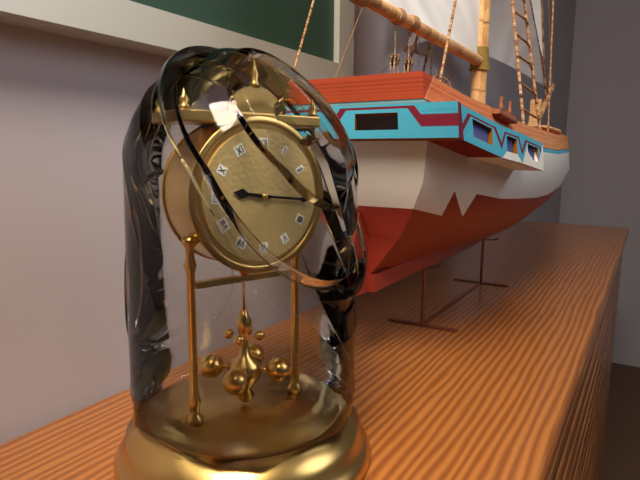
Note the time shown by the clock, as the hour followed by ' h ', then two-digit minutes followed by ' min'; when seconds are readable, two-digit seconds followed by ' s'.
9 h 16 min
